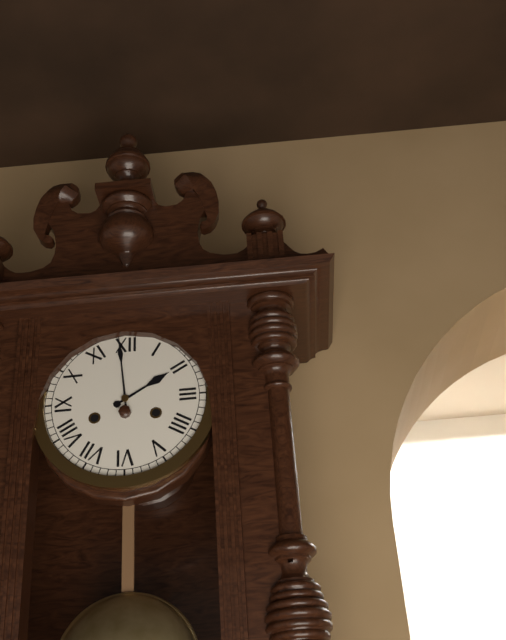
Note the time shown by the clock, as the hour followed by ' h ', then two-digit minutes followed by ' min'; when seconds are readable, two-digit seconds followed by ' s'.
1 h 59 min
